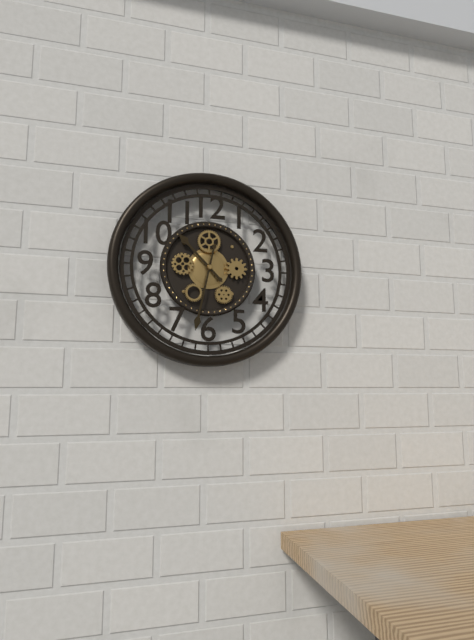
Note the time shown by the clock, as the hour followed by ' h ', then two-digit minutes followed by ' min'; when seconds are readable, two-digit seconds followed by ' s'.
10 h 32 min
